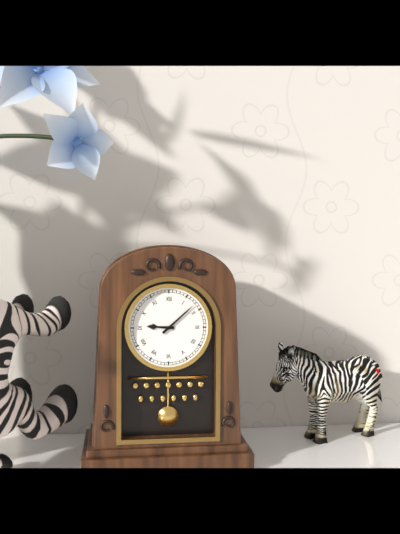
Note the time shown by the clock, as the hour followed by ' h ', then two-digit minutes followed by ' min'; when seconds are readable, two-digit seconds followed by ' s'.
9 h 08 min
